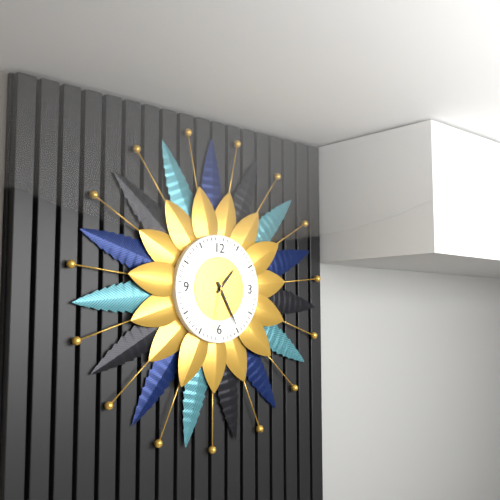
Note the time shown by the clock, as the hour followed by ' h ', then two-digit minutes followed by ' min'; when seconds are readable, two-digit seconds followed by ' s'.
1 h 25 min 32 s
